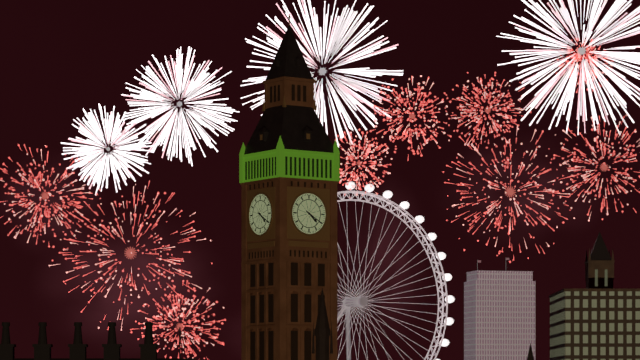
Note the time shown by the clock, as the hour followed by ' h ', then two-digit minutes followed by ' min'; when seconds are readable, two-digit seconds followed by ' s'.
4 h 20 min
